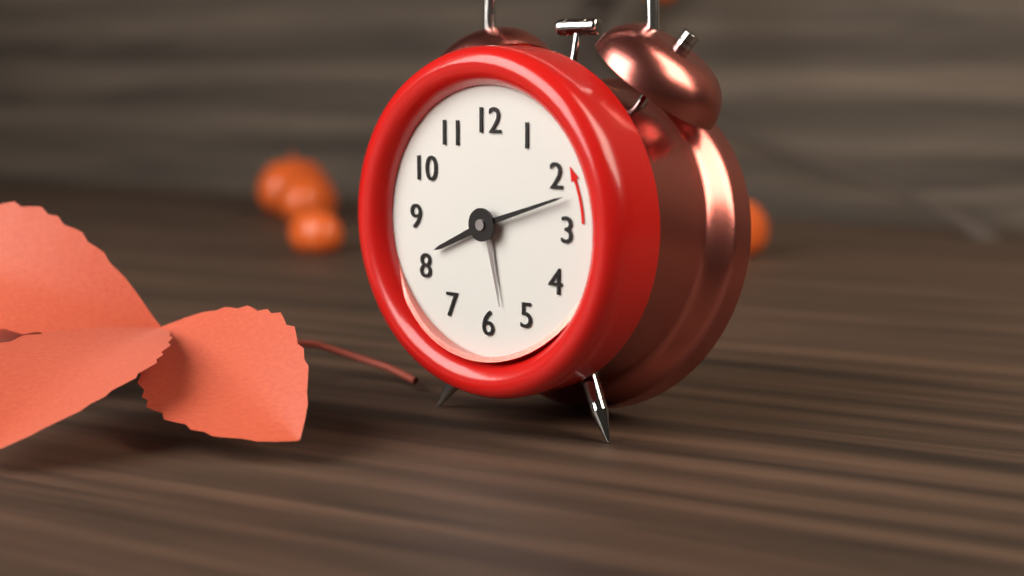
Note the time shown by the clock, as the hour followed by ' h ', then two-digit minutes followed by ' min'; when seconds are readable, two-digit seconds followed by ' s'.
8 h 12 min 28 s
